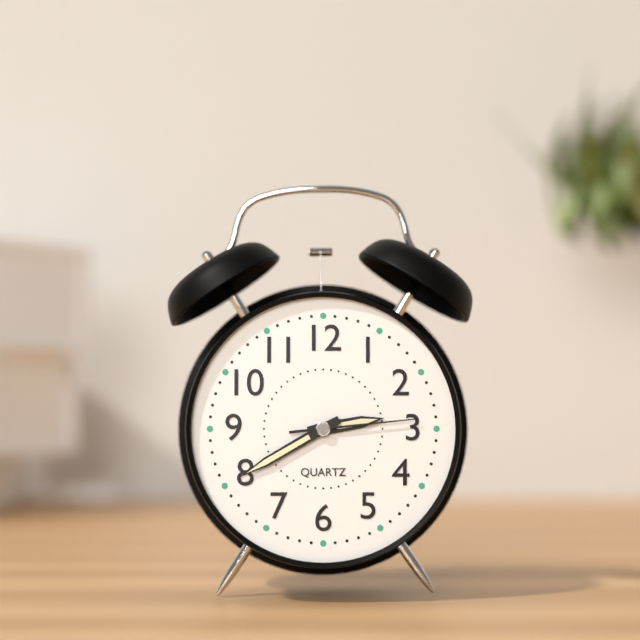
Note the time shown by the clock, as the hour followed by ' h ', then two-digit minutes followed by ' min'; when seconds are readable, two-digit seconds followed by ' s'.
2 h 40 min 14 s
